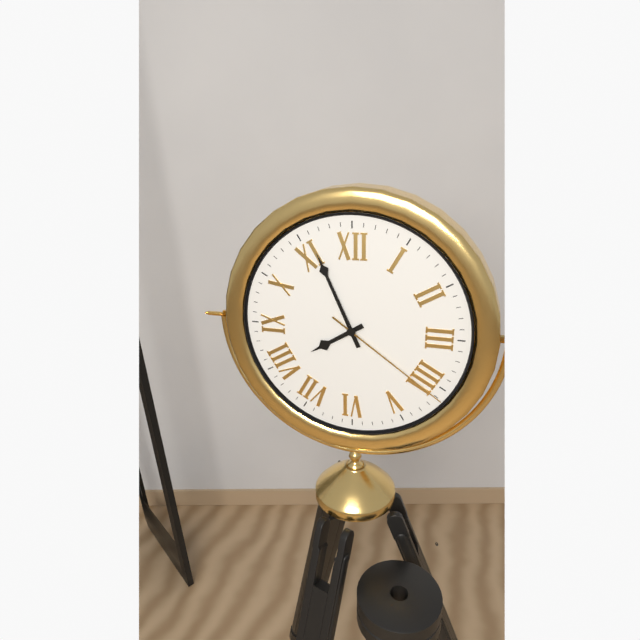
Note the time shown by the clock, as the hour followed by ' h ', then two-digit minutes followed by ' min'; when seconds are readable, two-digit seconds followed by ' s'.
7 h 56 min 21 s
